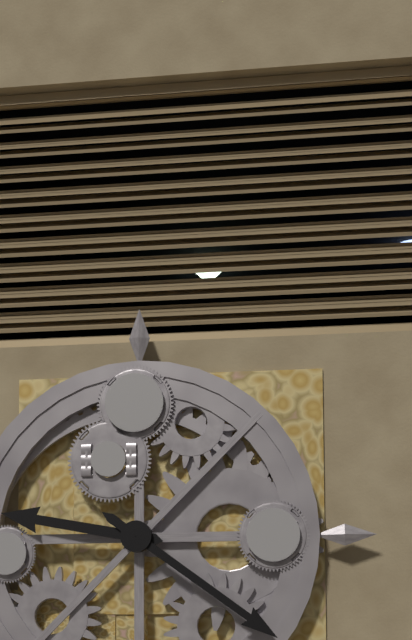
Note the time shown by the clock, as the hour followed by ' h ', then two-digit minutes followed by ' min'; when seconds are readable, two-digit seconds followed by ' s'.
9 h 21 min
